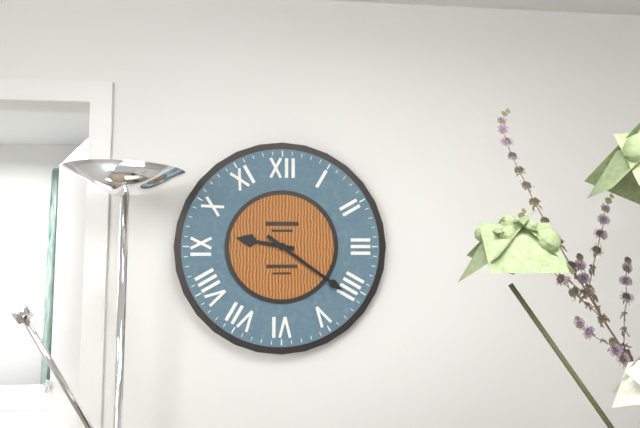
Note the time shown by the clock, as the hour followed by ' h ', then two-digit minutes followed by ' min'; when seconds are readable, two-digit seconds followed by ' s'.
9 h 21 min
